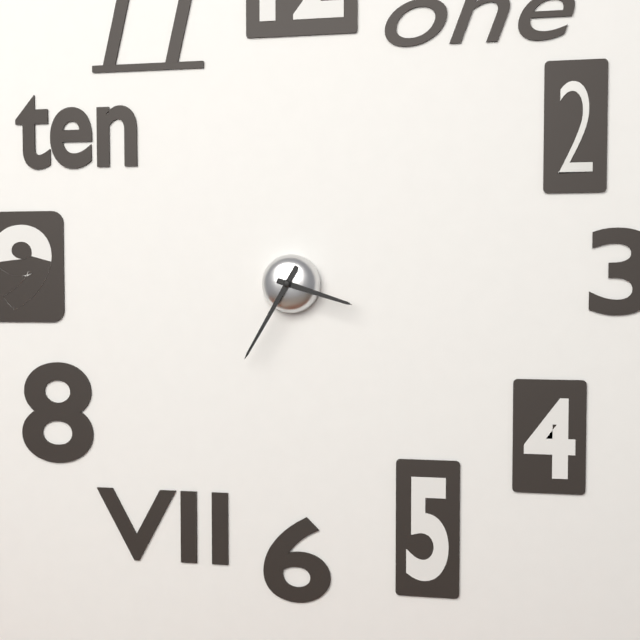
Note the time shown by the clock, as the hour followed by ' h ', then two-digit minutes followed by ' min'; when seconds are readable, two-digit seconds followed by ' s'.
3 h 35 min
